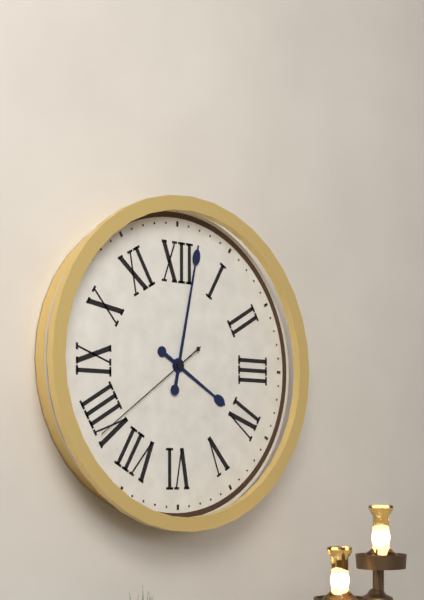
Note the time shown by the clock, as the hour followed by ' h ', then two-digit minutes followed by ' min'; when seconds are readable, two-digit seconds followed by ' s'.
4 h 02 min 39 s
